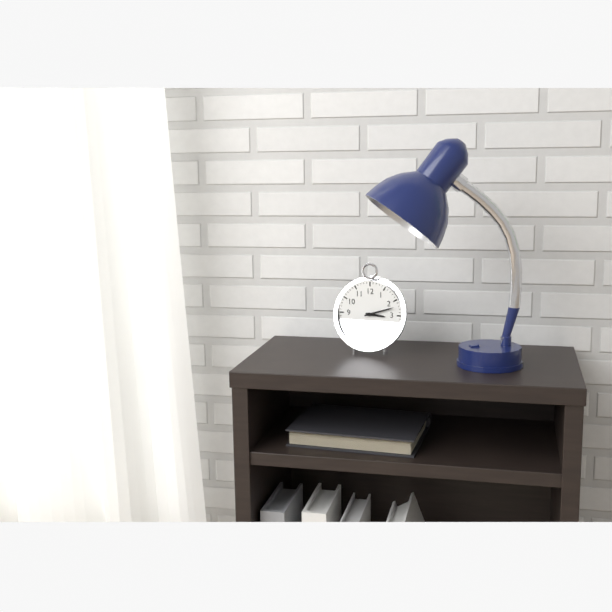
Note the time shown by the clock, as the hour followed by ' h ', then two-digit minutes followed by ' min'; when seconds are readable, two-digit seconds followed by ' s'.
3 h 12 min
